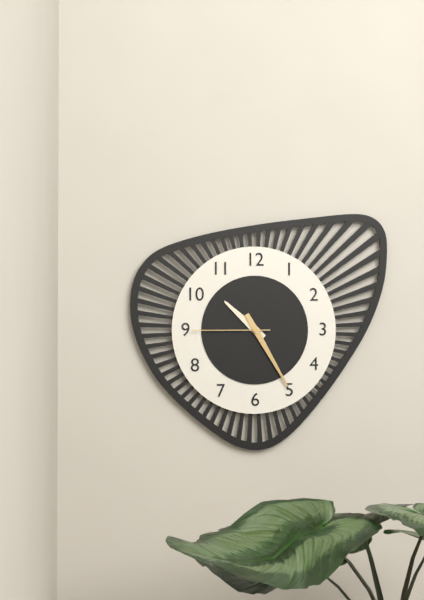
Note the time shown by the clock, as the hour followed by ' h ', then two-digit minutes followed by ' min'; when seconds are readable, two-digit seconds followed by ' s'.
10 h 25 min 45 s
